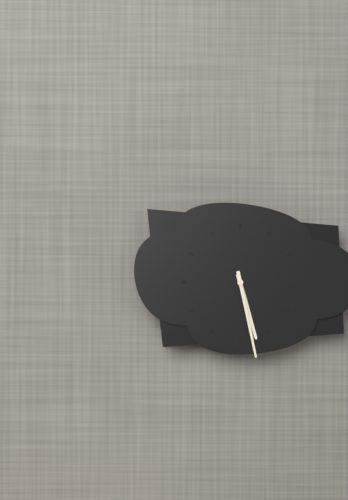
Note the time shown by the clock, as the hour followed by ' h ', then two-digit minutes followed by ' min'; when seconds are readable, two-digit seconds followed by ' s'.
5 h 28 min
